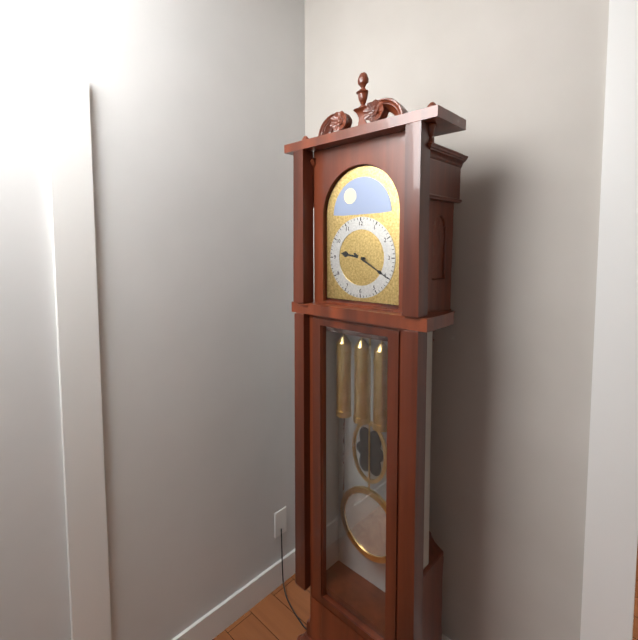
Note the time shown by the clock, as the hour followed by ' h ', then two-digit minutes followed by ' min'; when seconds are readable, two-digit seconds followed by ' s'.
9 h 20 min
